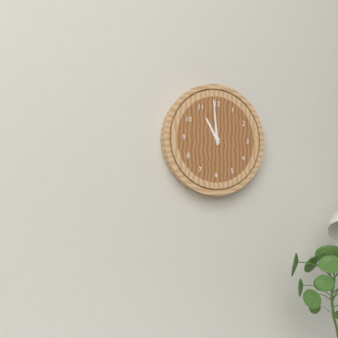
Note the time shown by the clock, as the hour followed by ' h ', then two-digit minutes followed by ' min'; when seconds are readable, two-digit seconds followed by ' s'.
10 h 59 min
